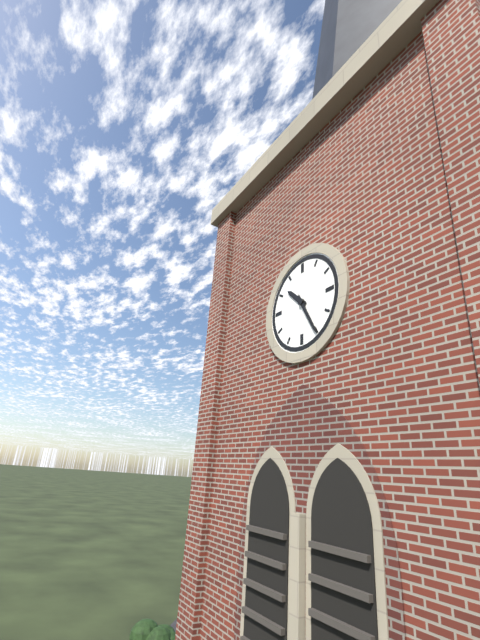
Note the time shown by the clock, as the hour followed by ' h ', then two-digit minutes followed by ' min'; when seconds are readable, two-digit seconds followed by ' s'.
10 h 25 min
